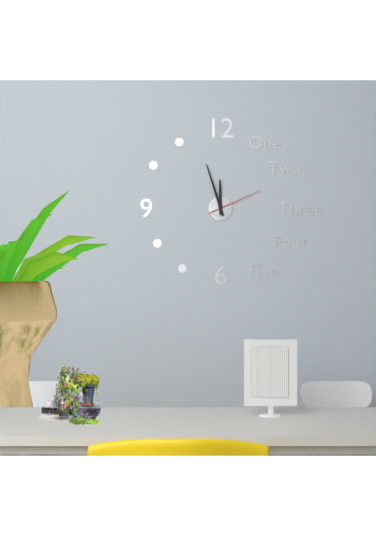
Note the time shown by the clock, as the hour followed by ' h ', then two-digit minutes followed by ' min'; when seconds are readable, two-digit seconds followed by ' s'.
11 h 57 min 11 s
